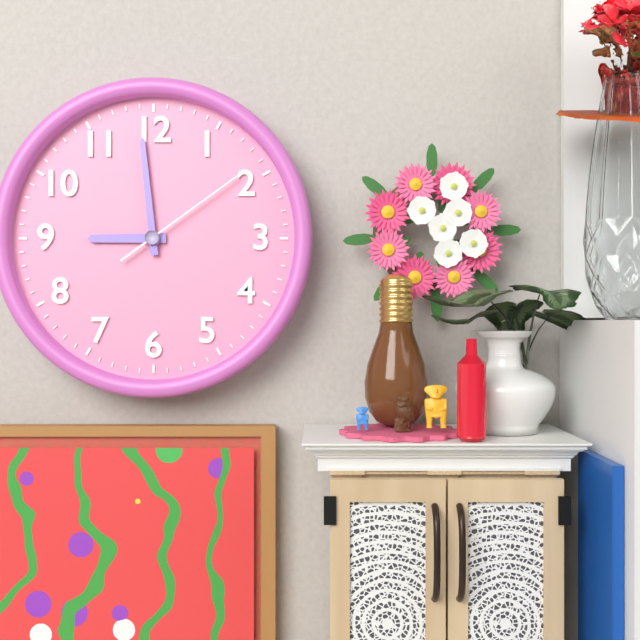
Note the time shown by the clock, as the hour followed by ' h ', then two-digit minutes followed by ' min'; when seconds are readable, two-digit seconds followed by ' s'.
8 h 59 min 09 s
